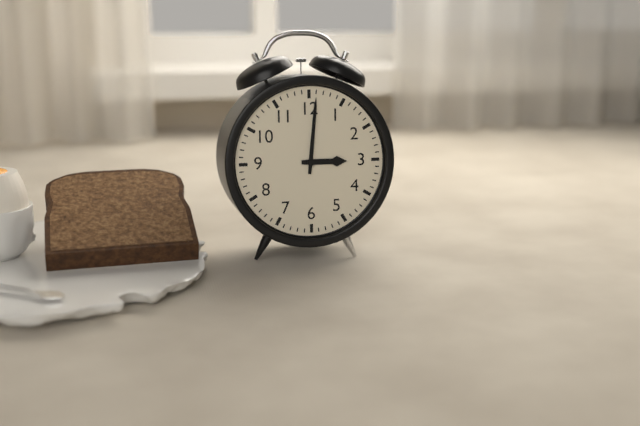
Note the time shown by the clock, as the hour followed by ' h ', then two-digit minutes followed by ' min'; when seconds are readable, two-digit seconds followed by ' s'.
3 h 01 min
